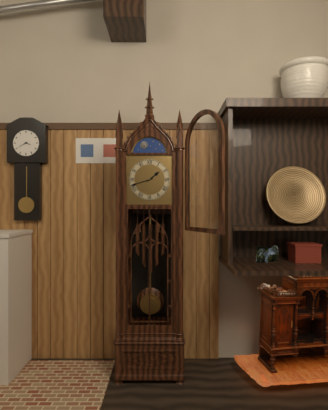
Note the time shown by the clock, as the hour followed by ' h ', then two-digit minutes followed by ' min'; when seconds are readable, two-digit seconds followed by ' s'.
1 h 42 min
